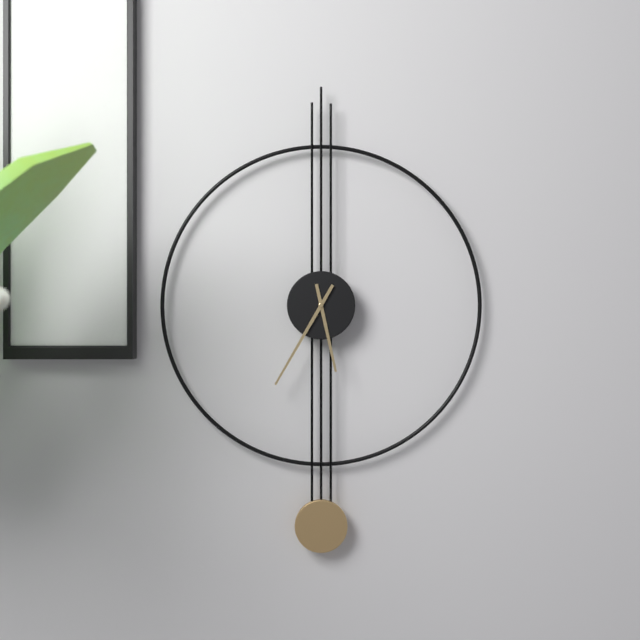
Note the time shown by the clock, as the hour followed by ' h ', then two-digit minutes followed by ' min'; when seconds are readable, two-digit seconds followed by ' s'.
5 h 35 min
